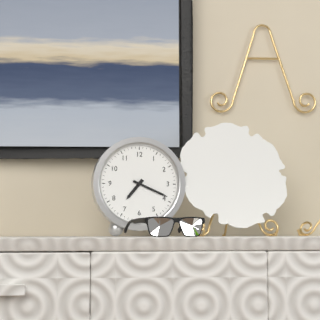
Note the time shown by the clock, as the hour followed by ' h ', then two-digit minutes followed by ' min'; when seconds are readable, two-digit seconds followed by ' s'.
7 h 19 min
